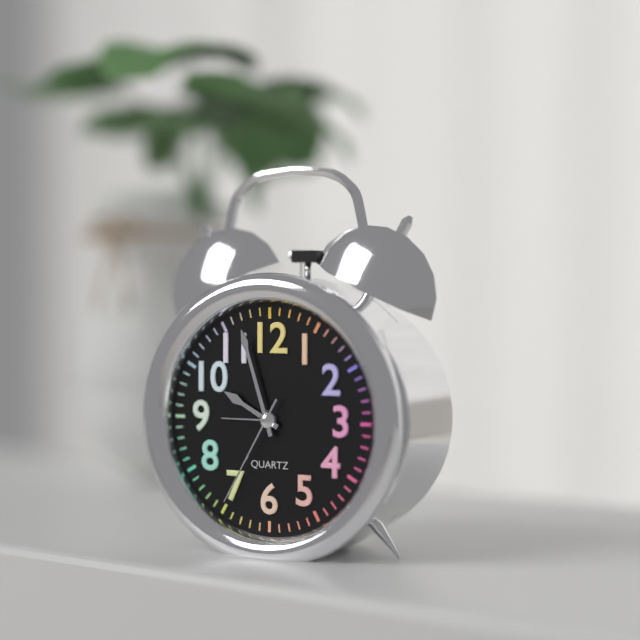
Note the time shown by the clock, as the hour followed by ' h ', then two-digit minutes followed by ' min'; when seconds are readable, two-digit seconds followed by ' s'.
9 h 57 min 35 s
